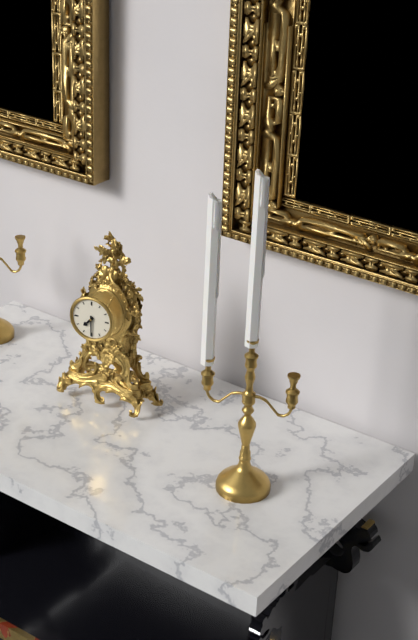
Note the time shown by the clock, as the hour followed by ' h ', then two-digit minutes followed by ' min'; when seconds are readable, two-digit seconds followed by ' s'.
7 h 30 min
